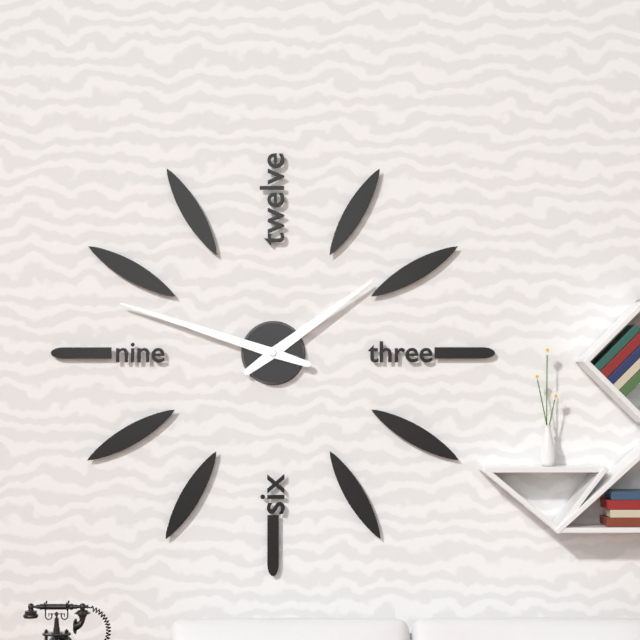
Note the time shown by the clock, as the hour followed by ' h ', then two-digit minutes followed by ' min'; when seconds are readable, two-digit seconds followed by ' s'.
1 h 48 min
